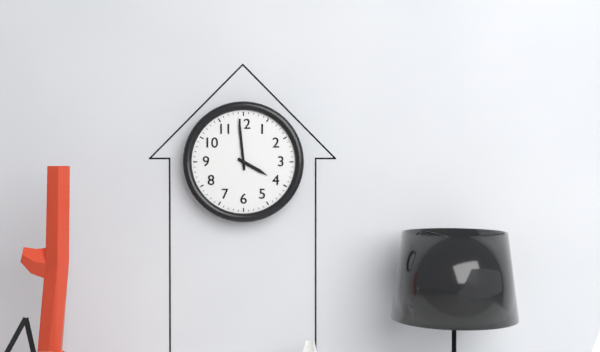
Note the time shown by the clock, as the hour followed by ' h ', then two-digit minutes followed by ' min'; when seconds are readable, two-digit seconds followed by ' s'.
3 h 59 min
